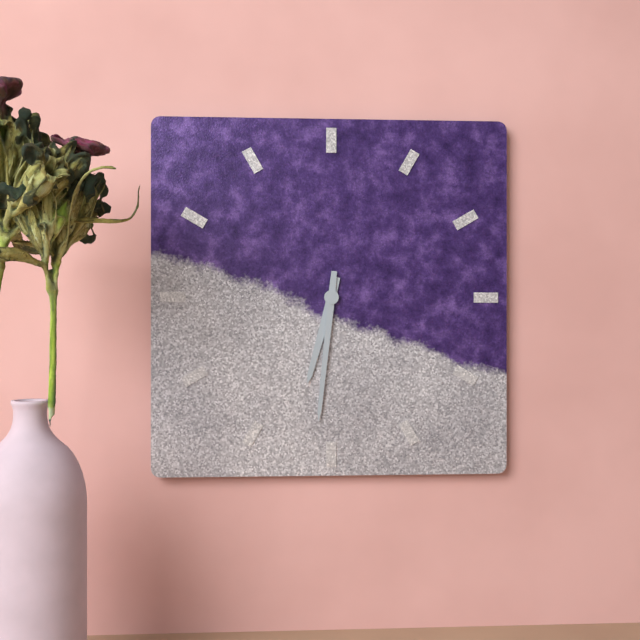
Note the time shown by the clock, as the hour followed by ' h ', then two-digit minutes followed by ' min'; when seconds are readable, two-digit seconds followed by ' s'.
6 h 31 min
